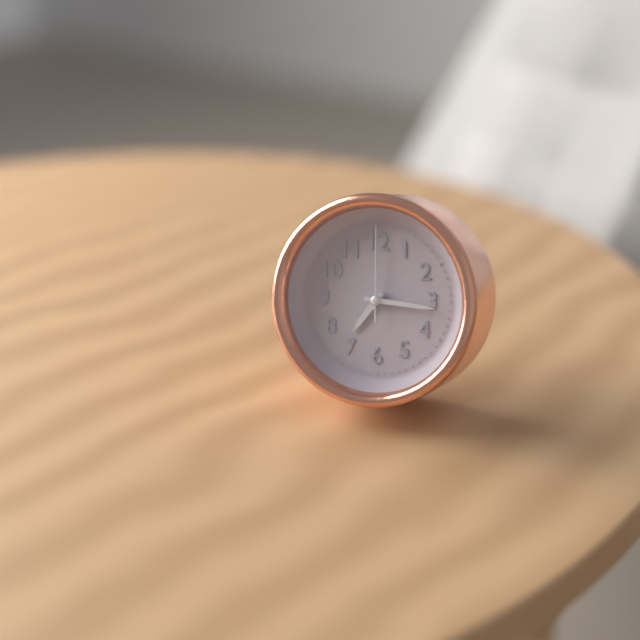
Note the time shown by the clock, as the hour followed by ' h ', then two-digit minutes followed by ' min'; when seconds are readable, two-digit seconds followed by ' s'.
7 h 16 min 00 s
